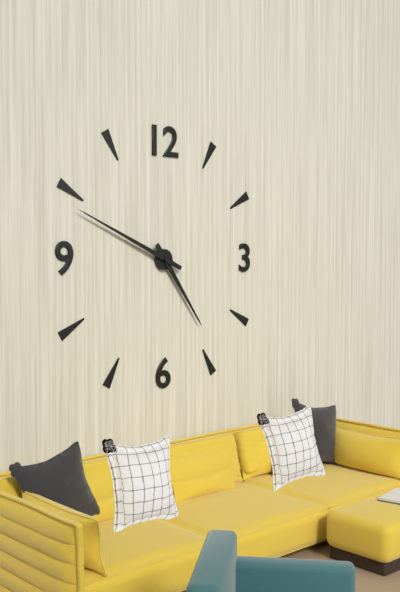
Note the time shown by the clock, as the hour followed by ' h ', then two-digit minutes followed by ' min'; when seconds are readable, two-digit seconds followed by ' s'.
4 h 49 min
